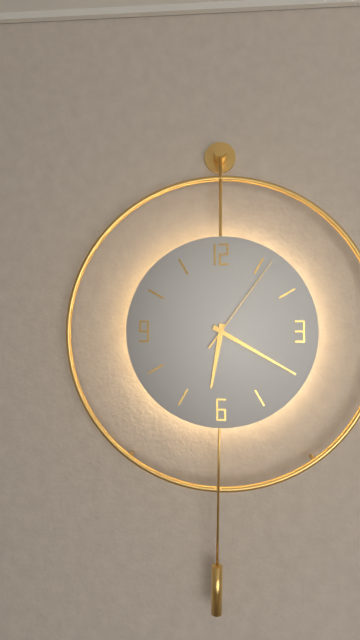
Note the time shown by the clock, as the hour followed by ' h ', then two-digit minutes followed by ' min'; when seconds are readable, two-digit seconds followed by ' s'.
6 h 20 min 06 s
